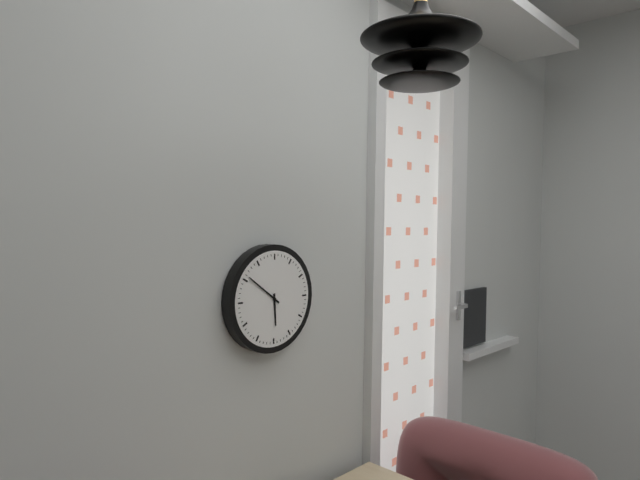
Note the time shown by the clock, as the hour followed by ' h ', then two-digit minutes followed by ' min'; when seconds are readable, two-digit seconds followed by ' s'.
5 h 51 min
